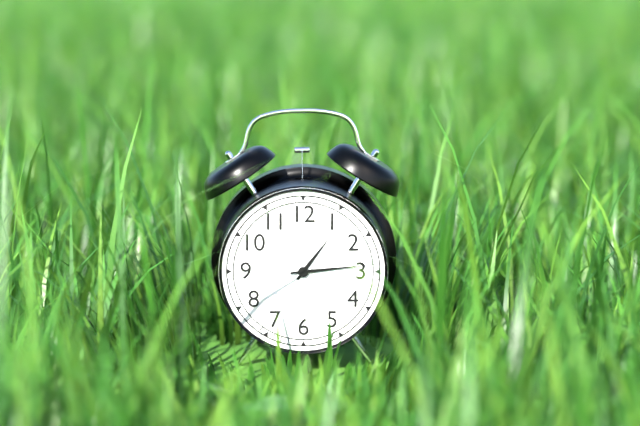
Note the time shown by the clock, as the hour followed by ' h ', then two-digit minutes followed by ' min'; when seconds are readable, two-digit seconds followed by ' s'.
1 h 14 min
